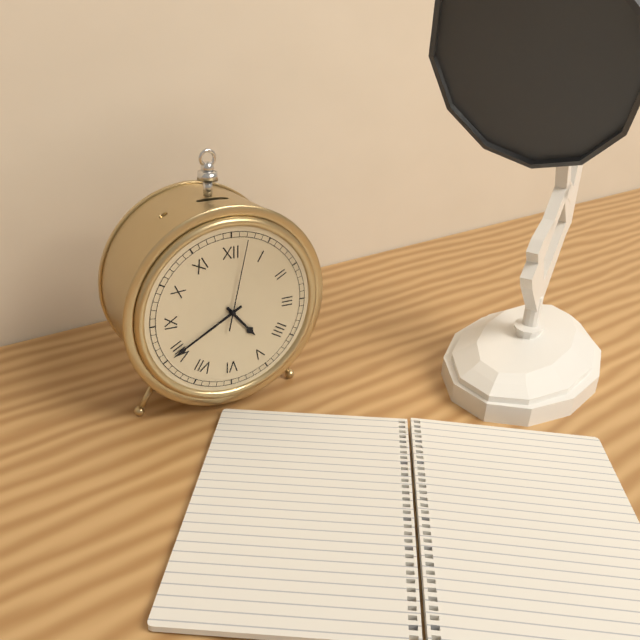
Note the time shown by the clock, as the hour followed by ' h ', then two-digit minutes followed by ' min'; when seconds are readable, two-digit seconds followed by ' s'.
4 h 40 min 02 s
